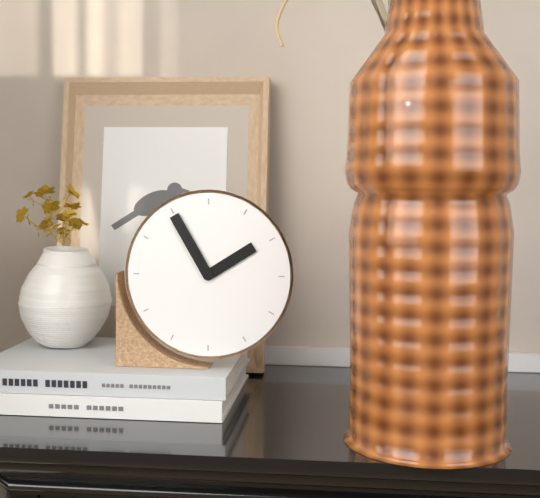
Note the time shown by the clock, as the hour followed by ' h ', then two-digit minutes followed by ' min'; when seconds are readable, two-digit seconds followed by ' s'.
1 h 55 min
